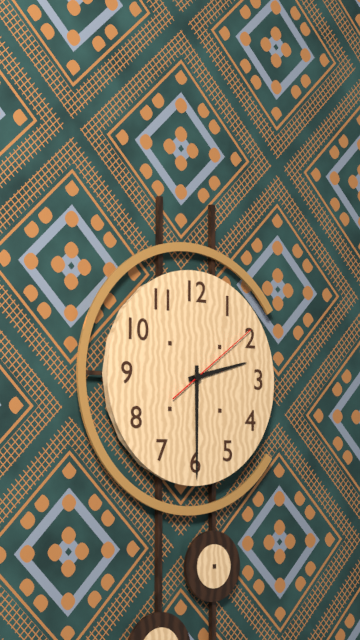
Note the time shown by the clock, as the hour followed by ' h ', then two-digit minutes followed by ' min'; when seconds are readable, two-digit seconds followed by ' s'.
2 h 30 min 09 s
